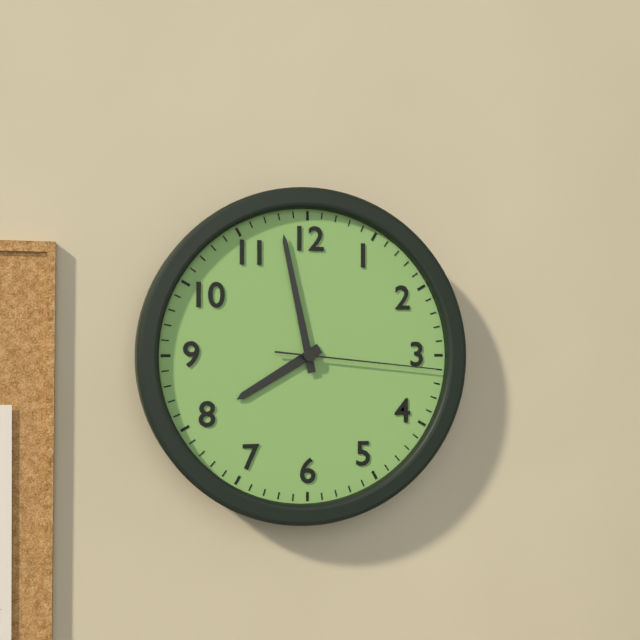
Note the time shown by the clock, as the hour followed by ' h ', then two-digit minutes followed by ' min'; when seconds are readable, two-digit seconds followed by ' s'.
7 h 58 min 16 s
